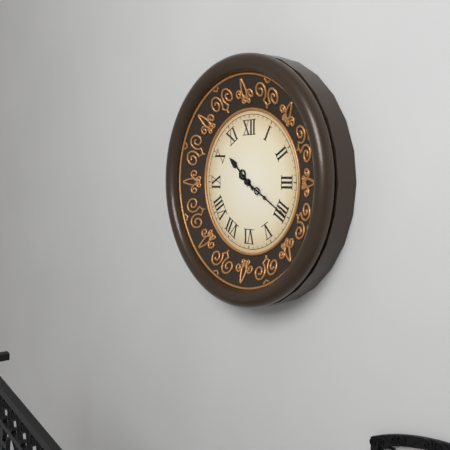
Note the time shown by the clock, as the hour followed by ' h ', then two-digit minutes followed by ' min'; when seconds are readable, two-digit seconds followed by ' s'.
10 h 20 min
